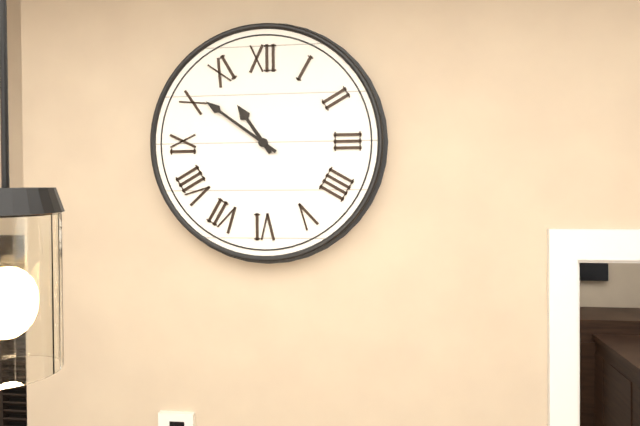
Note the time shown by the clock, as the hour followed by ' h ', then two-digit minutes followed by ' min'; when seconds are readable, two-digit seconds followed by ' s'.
10 h 51 min
